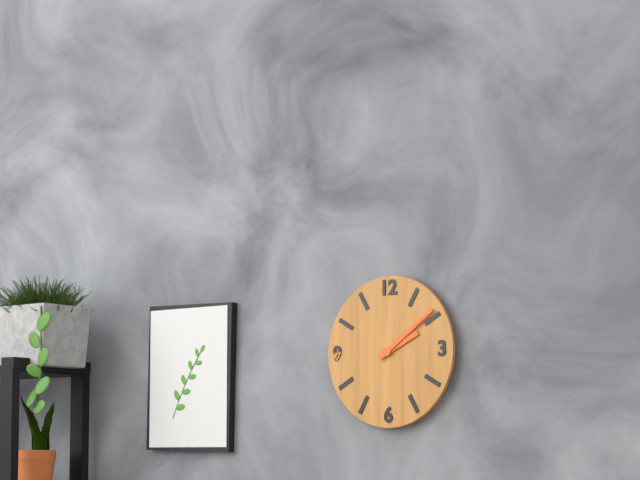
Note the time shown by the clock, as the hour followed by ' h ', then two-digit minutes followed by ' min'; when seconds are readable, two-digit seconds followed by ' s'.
2 h 09 min
